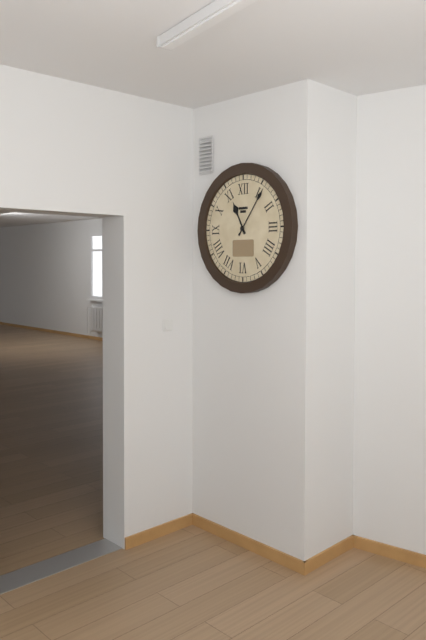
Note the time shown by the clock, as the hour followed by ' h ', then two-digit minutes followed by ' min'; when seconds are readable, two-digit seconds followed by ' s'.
11 h 06 min
